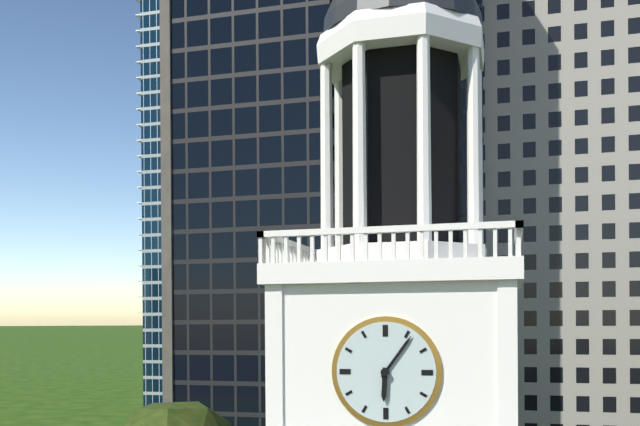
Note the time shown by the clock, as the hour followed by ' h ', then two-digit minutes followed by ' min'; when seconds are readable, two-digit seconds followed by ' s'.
6 h 06 min
